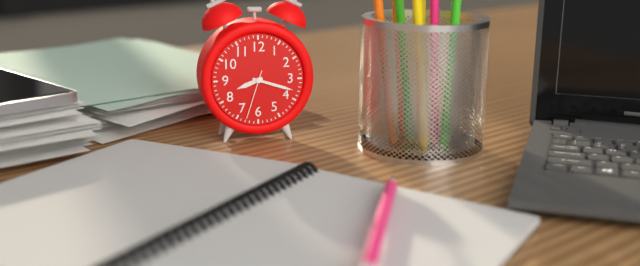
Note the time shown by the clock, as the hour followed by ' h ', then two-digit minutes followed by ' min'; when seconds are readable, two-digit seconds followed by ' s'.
8 h 18 min 33 s
